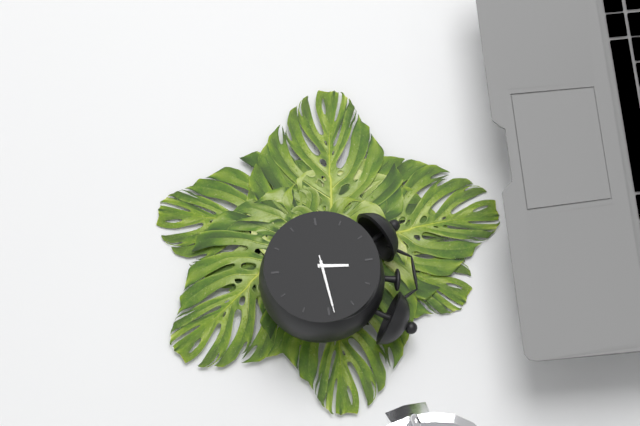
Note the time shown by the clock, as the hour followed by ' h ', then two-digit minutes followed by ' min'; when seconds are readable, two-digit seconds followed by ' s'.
12 h 14 min 14 s
